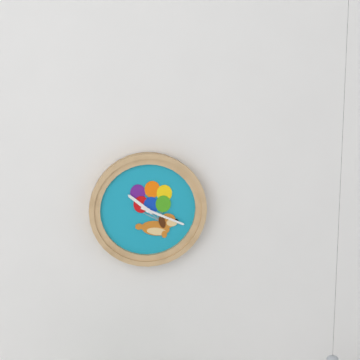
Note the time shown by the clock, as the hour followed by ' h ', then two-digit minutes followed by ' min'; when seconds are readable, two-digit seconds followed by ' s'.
10 h 19 min
